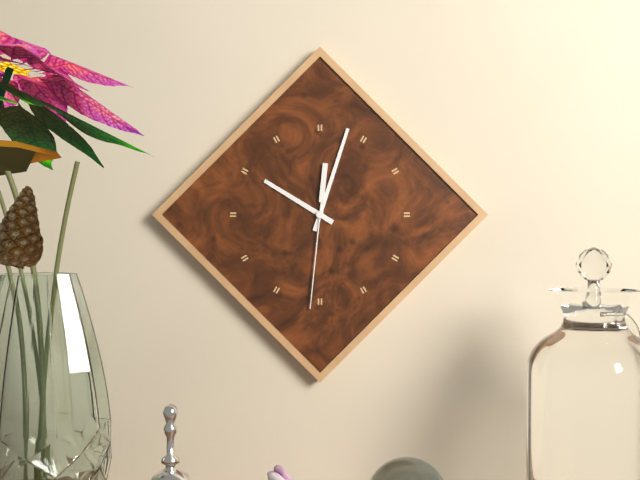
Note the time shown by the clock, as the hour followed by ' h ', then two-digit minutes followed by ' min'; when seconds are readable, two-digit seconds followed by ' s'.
10 h 03 min 31 s
